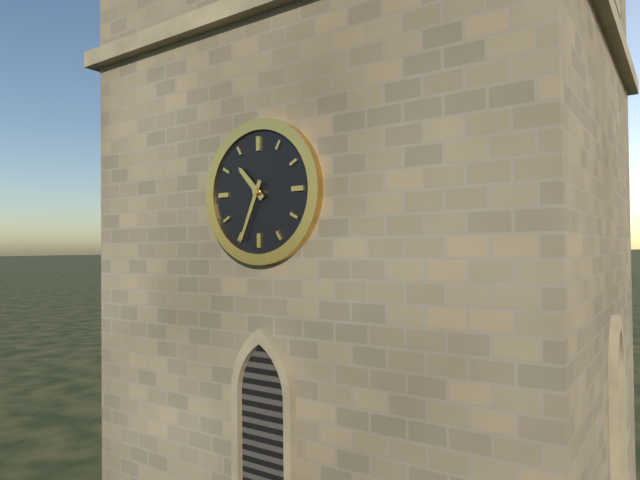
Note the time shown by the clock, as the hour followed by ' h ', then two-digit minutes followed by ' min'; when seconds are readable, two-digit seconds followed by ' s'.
10 h 34 min
